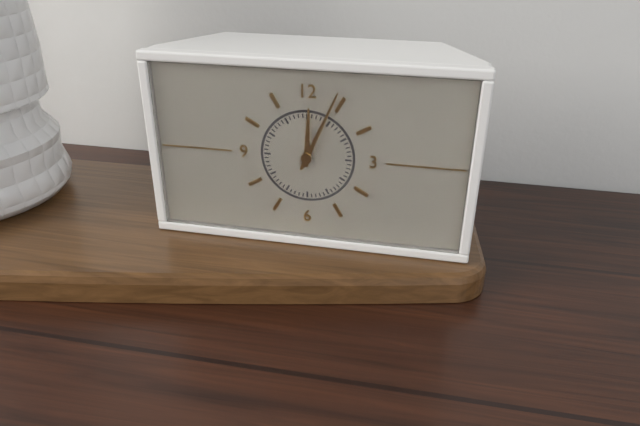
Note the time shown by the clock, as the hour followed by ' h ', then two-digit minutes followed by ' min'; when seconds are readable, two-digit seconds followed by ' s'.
12 h 04 min
